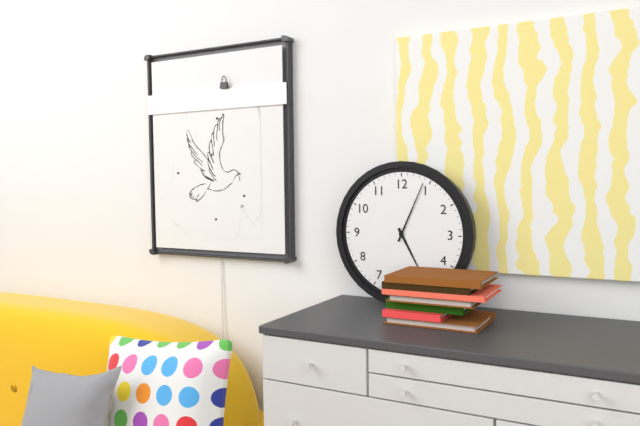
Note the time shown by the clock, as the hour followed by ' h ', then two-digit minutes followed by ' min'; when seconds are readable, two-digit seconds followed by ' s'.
5 h 04 min
